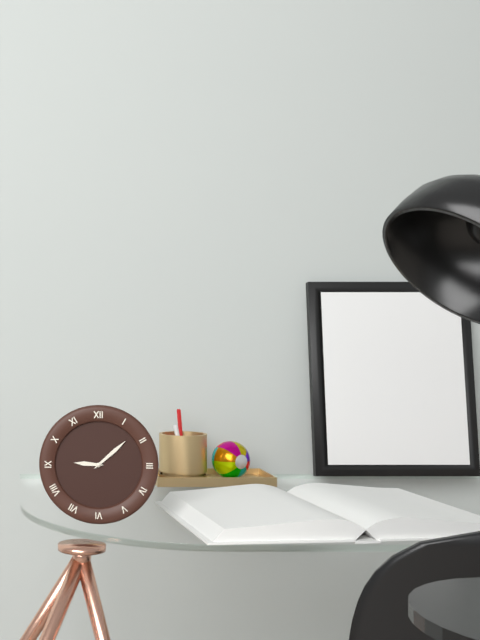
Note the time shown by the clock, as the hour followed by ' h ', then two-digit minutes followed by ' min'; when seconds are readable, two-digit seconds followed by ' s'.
9 h 08 min
